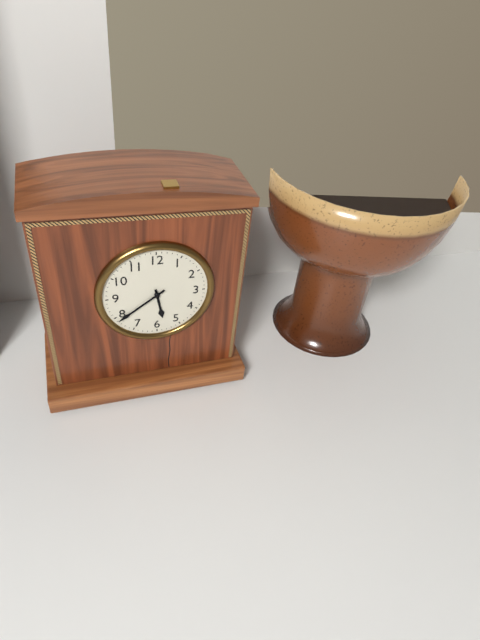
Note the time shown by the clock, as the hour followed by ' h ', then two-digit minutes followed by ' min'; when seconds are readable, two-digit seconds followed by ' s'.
5 h 39 min
